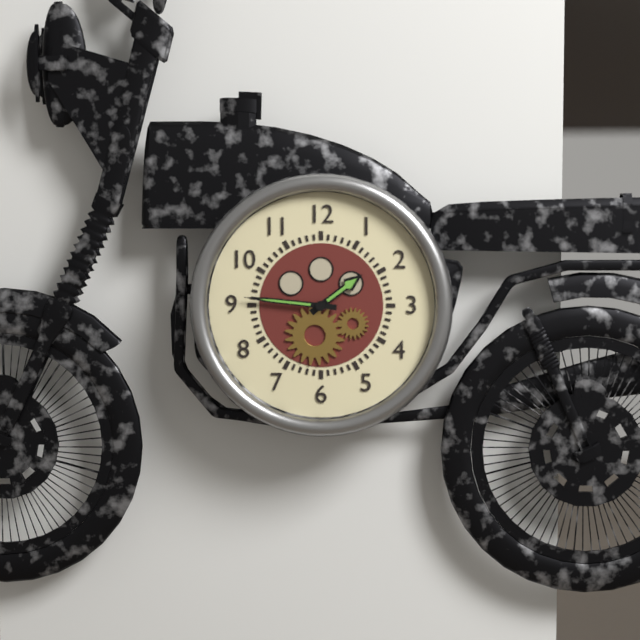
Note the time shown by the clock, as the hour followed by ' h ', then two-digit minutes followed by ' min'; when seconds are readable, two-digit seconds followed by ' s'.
1 h 46 min
